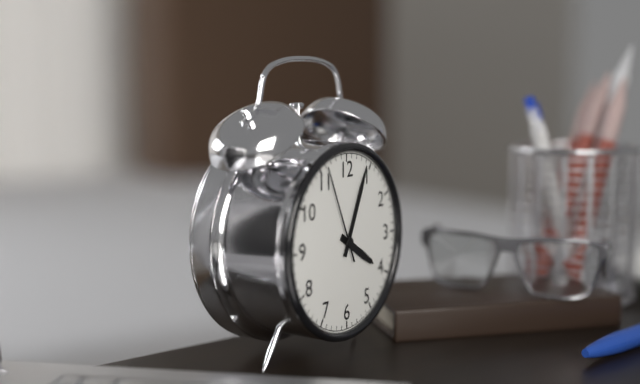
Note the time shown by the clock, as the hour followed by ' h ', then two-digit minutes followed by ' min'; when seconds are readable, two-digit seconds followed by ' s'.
4 h 04 min 56 s
